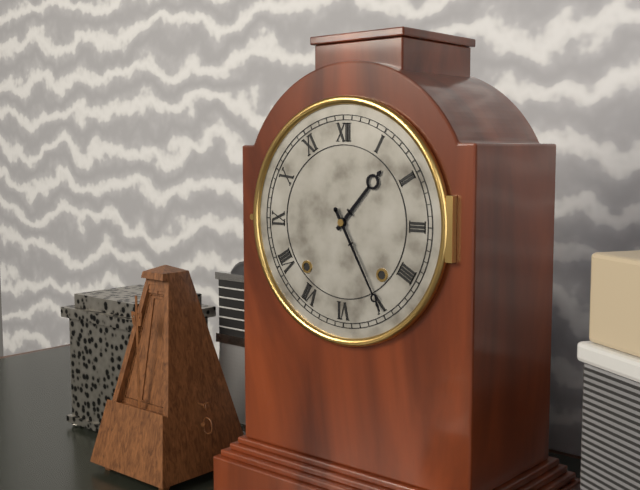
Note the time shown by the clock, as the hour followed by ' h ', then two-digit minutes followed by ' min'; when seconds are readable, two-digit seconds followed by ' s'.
1 h 25 min
